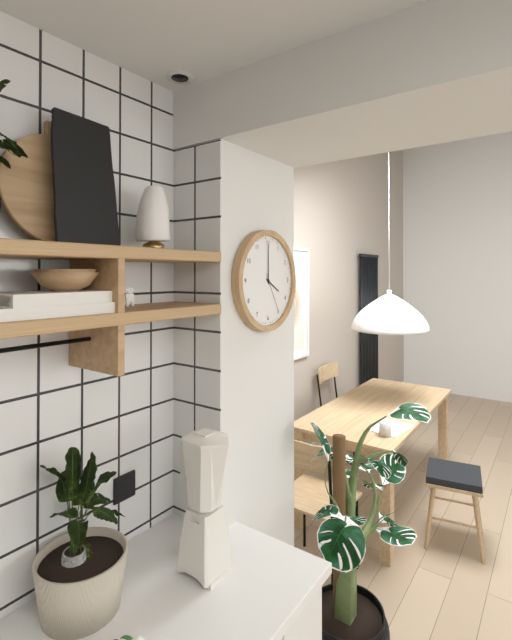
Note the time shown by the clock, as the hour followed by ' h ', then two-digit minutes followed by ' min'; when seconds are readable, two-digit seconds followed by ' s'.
4 h 00 min
